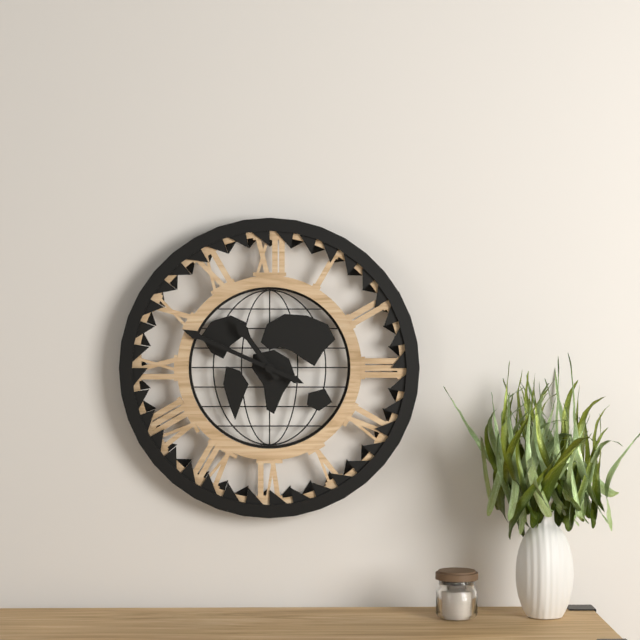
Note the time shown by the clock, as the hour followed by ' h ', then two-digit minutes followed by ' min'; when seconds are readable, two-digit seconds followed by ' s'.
10 h 49 min
